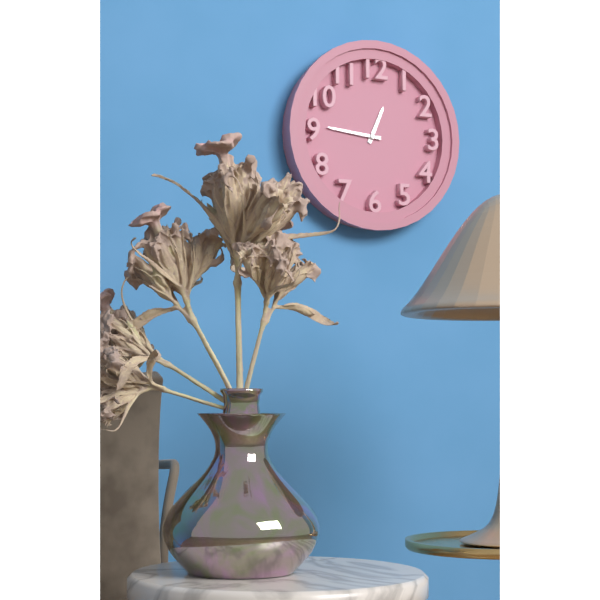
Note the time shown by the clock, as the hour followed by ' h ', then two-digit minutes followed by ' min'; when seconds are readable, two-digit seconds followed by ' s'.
12 h 46 min
